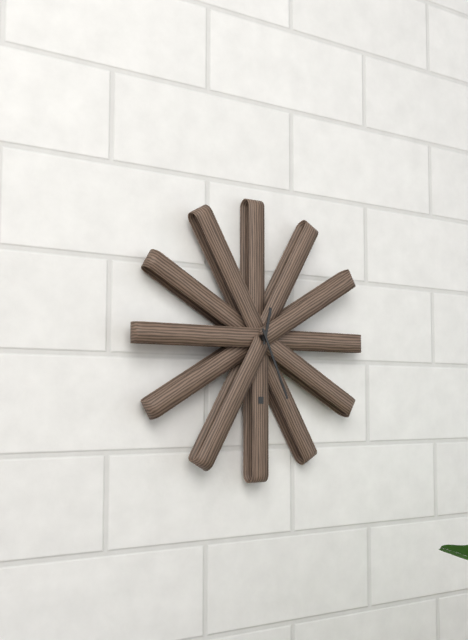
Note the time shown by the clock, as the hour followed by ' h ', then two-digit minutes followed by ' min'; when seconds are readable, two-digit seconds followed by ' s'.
12 h 26 min
